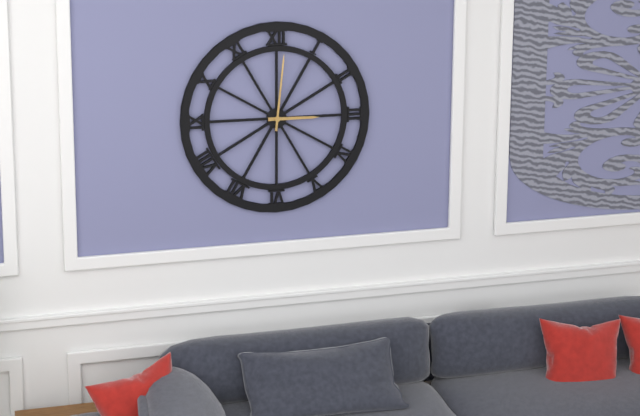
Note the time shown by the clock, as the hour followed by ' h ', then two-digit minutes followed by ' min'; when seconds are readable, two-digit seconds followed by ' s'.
3 h 01 min
